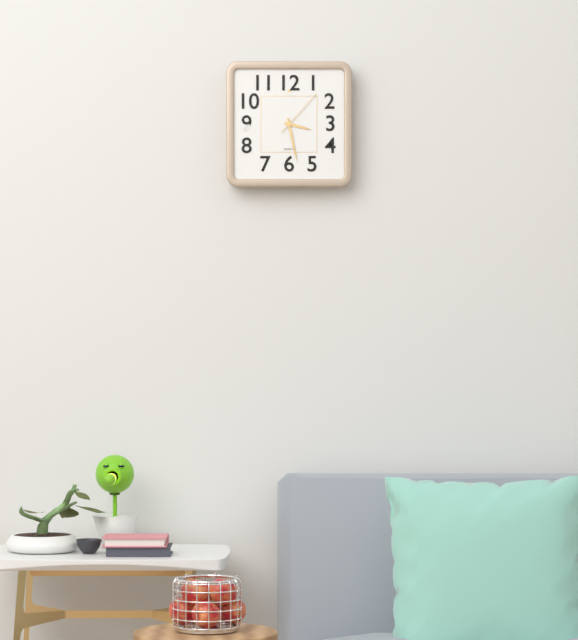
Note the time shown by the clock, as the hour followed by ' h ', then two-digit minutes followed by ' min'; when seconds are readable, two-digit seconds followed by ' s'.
3 h 28 min 07 s
